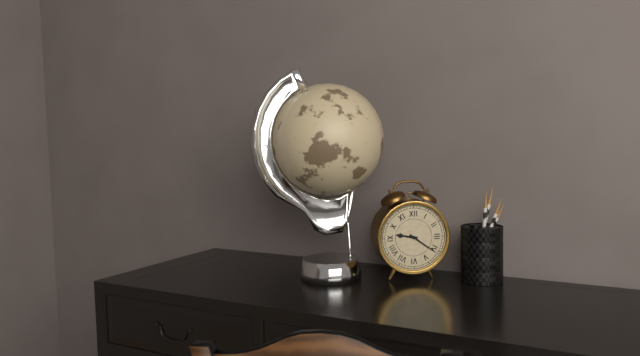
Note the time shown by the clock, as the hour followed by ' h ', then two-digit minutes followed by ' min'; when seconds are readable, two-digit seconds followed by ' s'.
9 h 21 min
